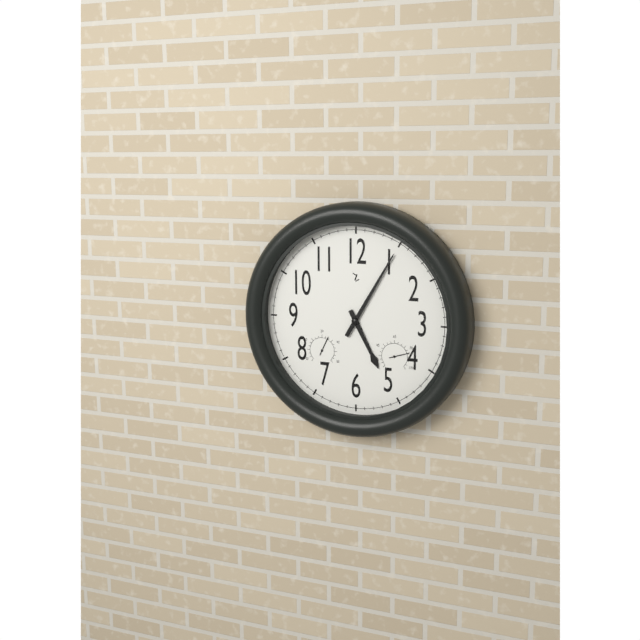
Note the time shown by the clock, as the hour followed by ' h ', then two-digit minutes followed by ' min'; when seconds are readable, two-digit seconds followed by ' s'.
5 h 05 min
